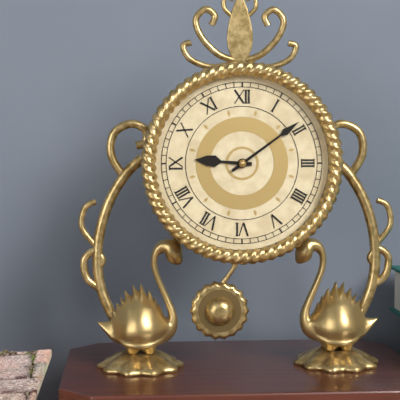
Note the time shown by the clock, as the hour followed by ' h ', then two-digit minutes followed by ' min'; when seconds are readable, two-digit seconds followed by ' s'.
9 h 09 min
